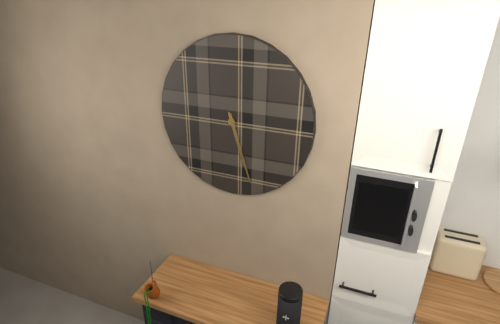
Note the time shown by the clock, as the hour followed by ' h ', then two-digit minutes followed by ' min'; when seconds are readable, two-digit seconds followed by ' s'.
5 h 27 min
